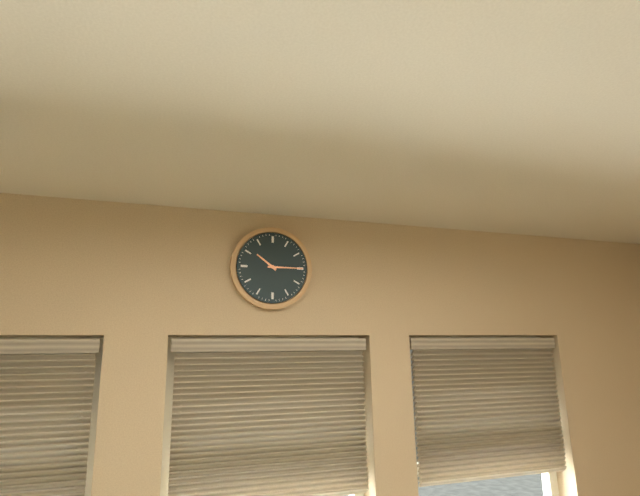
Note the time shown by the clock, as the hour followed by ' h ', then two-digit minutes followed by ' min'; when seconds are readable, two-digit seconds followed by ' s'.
10 h 15 min
